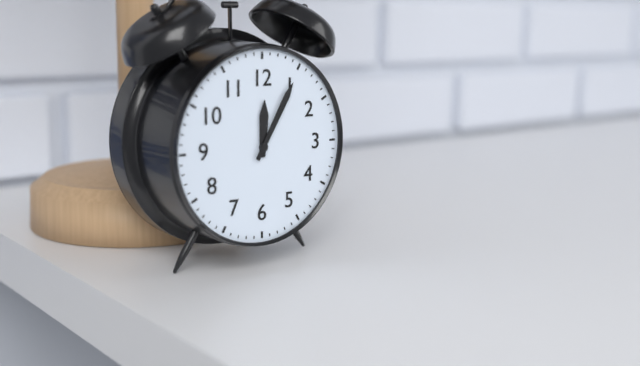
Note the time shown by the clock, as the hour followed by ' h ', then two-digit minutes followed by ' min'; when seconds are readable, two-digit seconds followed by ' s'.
12 h 05 min
